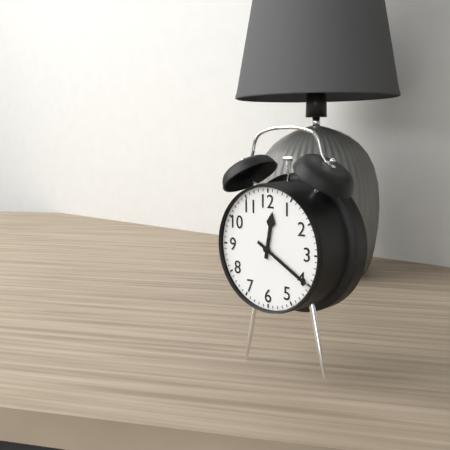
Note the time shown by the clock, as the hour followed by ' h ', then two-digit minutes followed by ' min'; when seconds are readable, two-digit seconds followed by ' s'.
12 h 20 min
